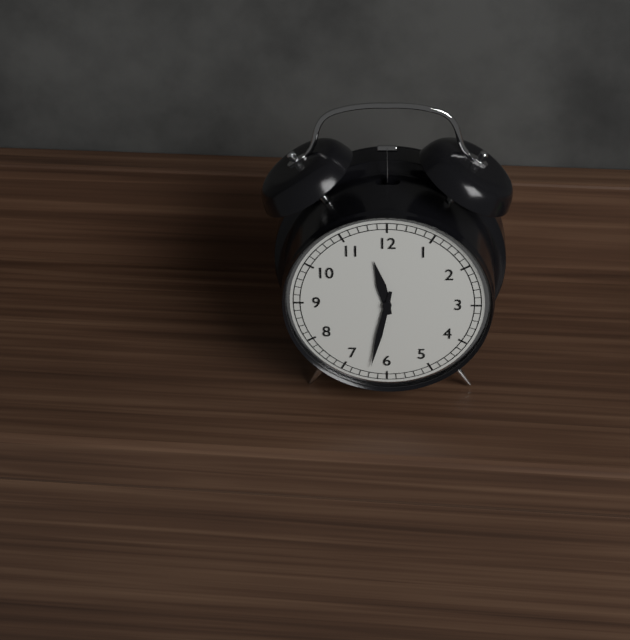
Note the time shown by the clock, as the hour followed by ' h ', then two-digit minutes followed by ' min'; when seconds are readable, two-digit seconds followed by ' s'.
11 h 32 min
